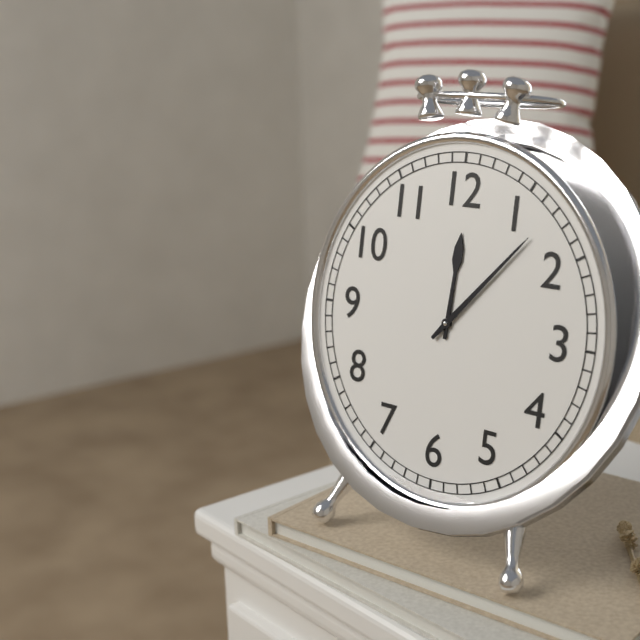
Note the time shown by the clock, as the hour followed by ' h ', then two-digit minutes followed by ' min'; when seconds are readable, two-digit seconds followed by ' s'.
12 h 07 min
